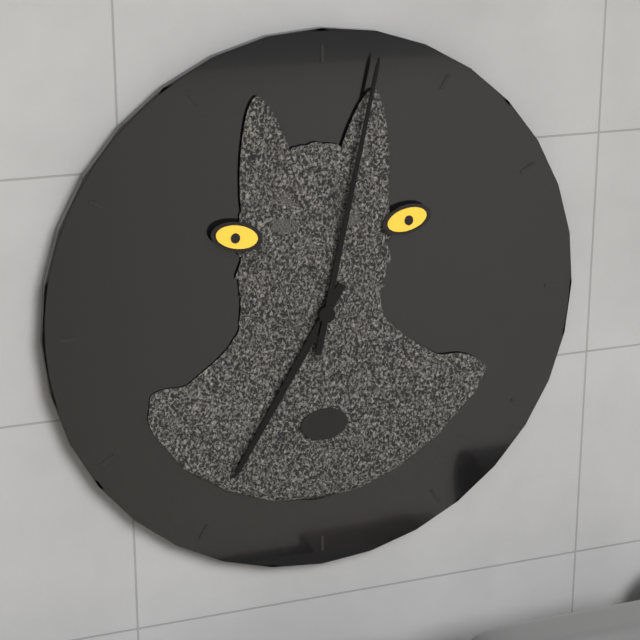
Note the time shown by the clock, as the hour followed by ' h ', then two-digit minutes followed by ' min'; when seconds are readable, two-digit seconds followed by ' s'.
7 h 02 min
